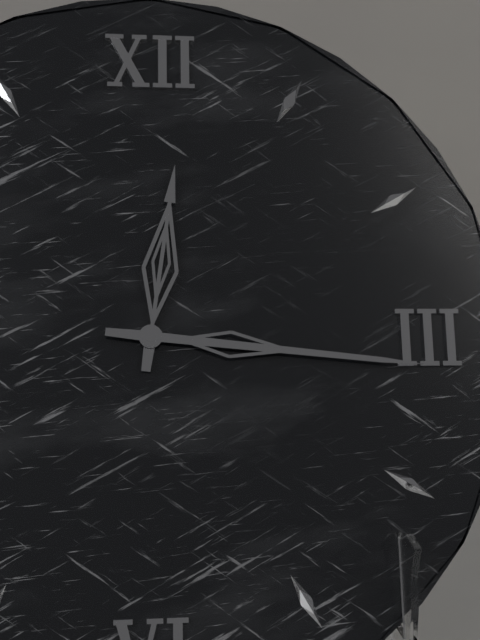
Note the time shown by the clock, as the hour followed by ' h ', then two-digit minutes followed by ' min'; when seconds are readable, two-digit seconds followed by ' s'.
12 h 16 min
